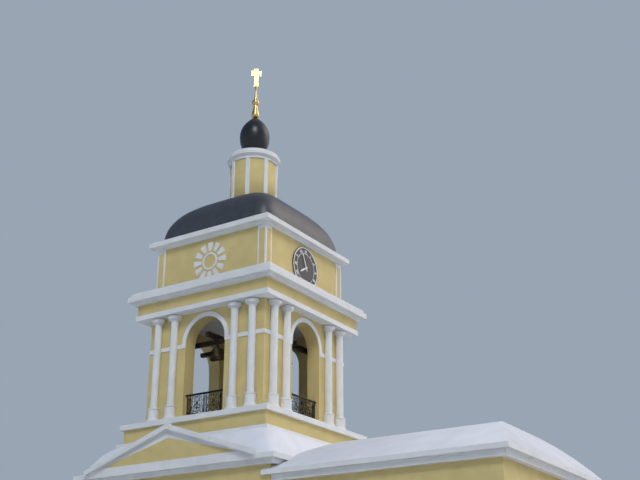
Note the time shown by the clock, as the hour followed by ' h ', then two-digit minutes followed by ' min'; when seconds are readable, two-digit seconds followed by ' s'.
7 h 56 min
